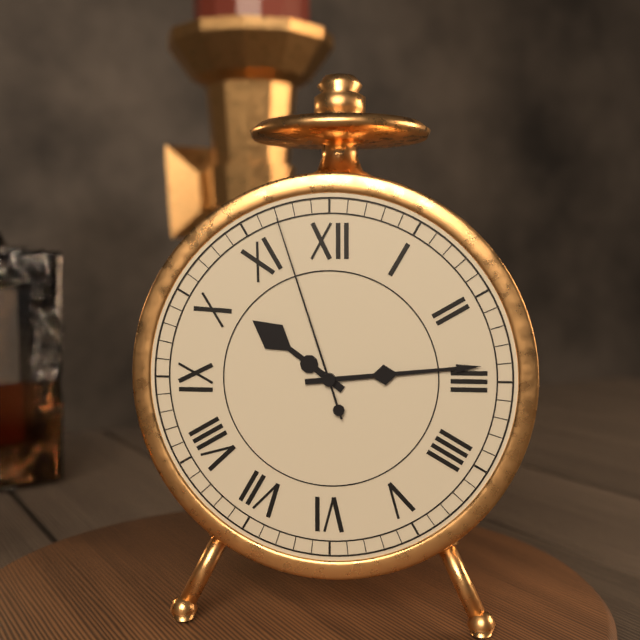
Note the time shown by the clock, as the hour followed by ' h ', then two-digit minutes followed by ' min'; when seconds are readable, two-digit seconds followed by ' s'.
10 h 14 min 57 s
